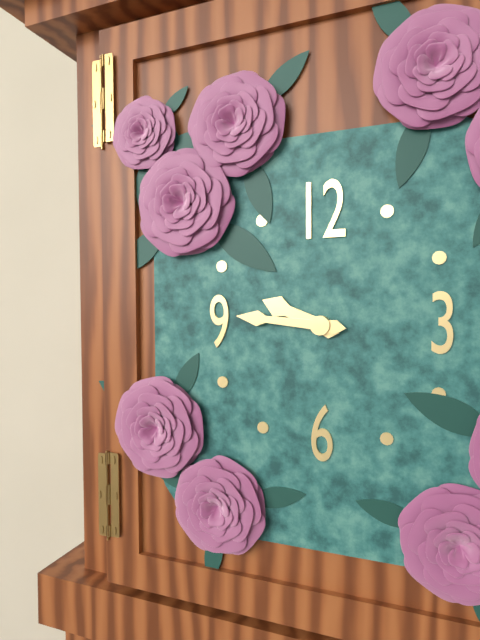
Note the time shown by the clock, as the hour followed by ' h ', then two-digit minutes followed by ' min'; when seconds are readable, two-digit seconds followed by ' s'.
9 h 46 min
